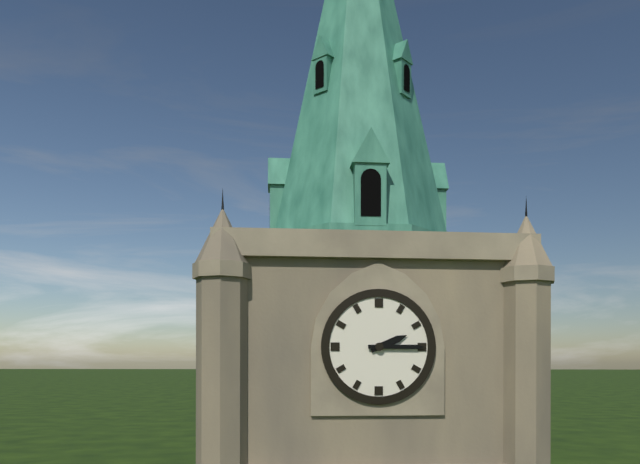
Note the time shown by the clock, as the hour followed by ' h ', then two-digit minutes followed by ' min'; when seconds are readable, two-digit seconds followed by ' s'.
2 h 15 min
